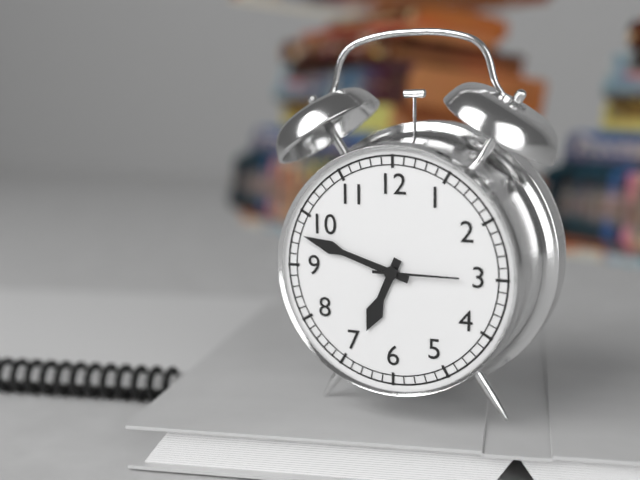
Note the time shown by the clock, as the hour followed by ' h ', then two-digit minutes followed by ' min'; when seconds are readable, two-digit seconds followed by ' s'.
6 h 48 min 15 s
